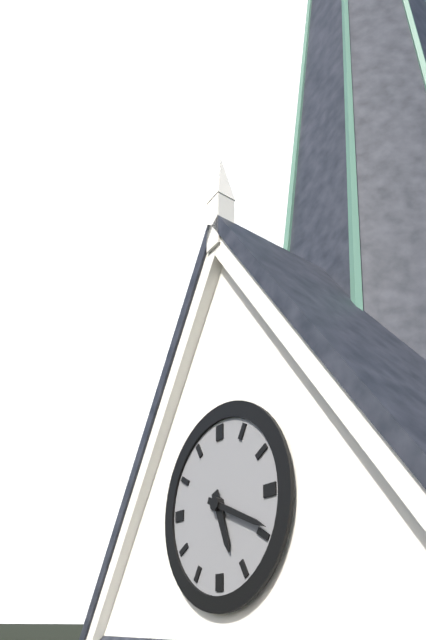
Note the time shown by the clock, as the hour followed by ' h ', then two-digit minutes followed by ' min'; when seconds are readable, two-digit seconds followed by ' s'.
5 h 19 min
